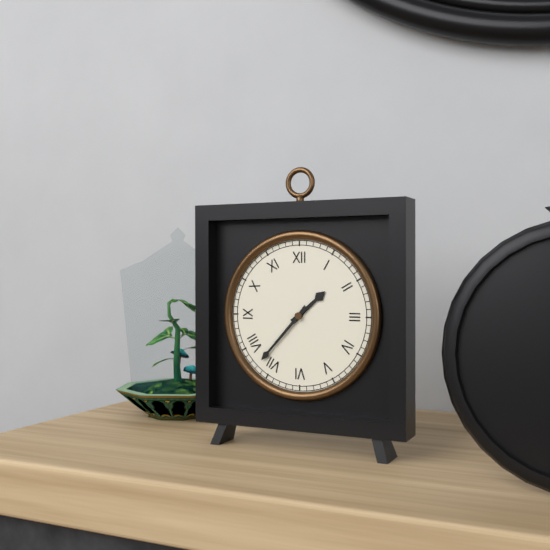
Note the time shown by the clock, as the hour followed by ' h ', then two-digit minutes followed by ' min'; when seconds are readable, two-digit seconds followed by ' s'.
1 h 37 min
